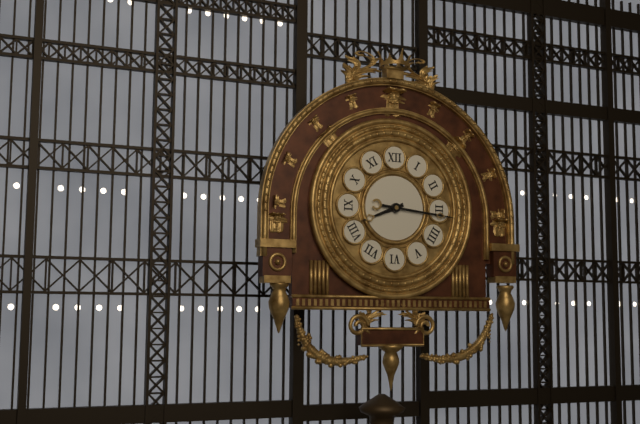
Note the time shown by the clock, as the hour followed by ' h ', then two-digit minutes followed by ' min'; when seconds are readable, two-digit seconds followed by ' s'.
8 h 16 min
